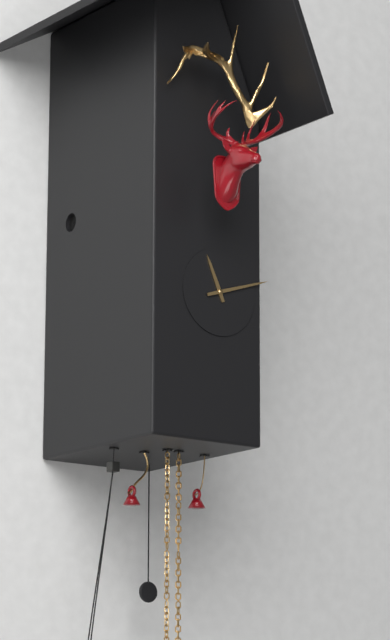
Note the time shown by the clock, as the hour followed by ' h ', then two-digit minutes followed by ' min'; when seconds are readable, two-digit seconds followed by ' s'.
11 h 12 min
